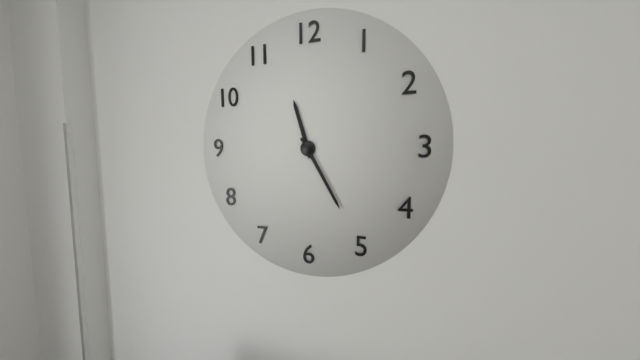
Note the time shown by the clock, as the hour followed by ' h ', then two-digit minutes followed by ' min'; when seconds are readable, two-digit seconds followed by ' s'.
11 h 25 min
